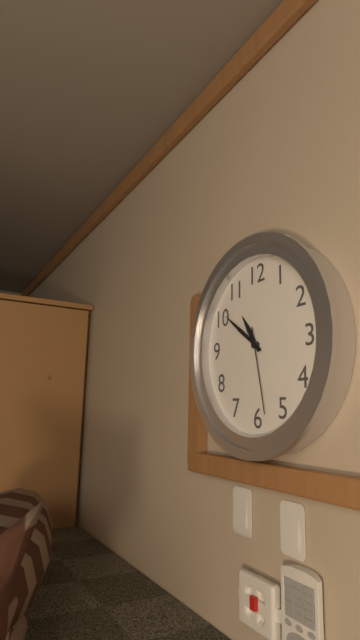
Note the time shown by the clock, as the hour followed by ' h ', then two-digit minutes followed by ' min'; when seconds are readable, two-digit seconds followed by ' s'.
10 h 51 min 28 s
